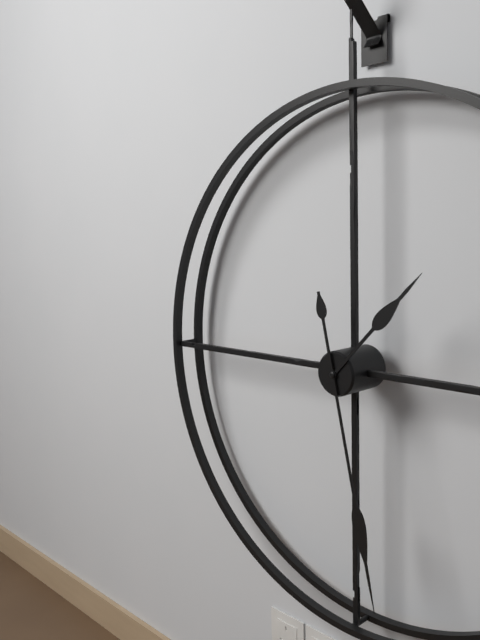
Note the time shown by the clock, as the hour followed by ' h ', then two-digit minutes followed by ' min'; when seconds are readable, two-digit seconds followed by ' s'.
1 h 28 min
